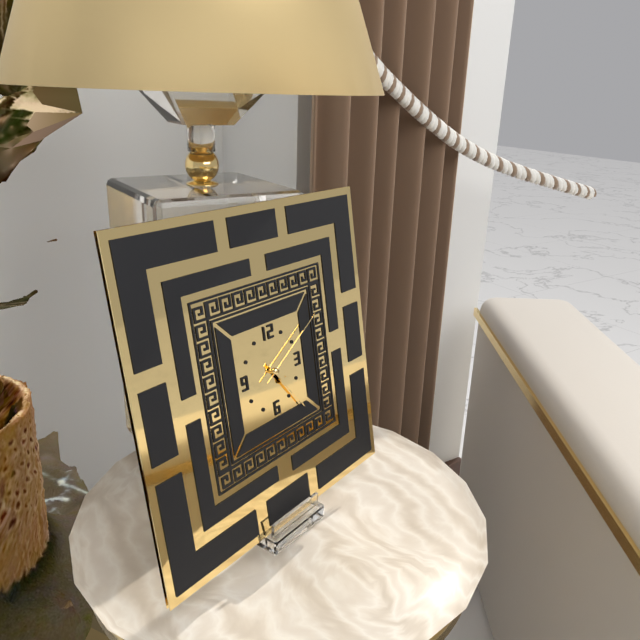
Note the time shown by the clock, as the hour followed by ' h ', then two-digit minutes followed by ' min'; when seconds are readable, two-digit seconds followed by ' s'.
4 h 24 min 10 s
